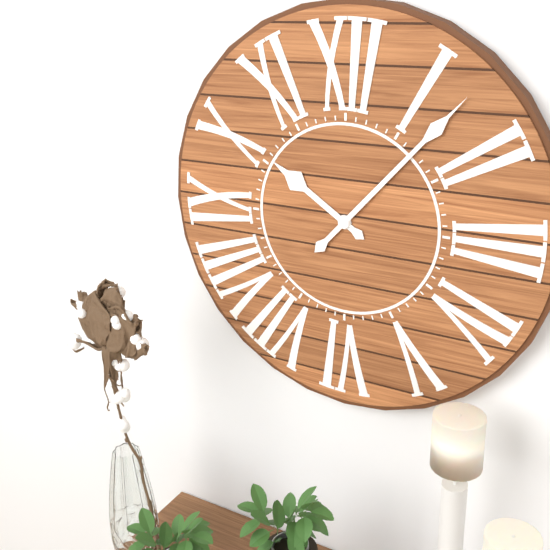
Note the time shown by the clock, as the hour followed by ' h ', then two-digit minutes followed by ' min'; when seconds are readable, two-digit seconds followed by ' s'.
10 h 07 min
